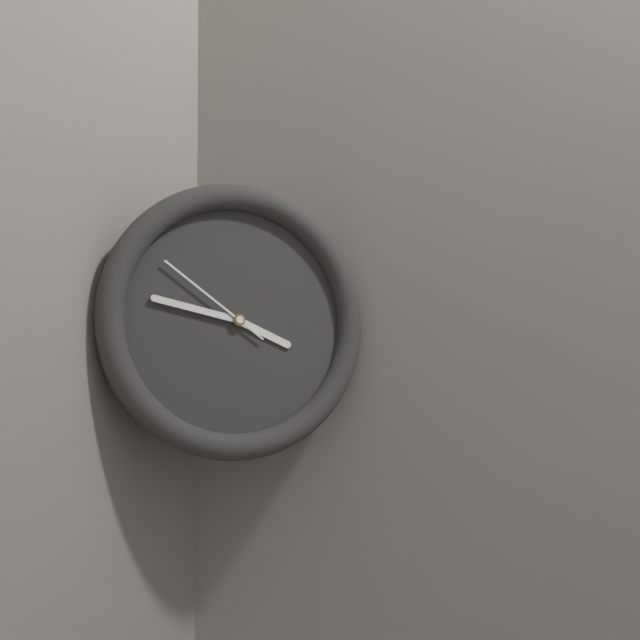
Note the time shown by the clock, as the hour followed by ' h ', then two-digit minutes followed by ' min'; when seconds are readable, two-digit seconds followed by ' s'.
3 h 47 min 51 s
